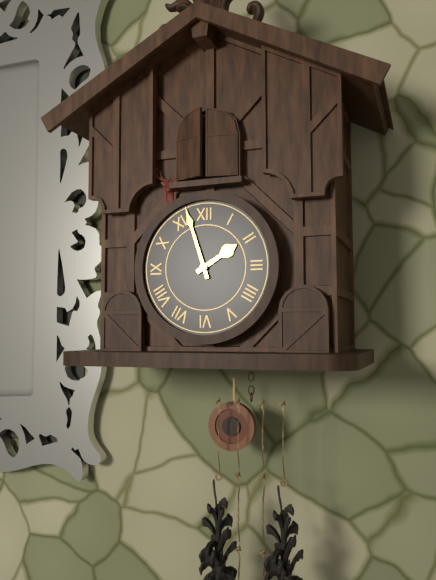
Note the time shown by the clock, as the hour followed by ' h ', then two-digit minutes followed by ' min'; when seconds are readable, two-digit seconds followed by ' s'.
1 h 57 min
